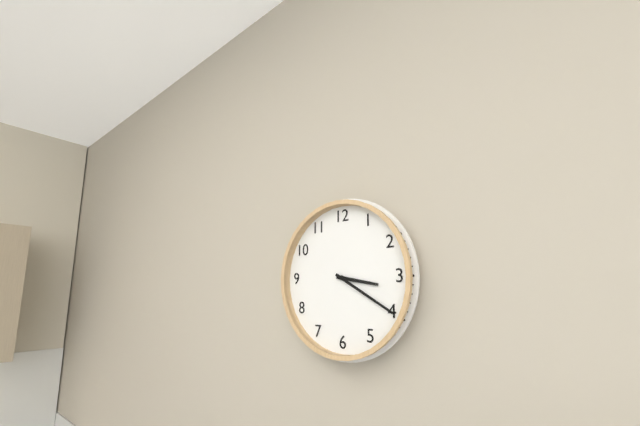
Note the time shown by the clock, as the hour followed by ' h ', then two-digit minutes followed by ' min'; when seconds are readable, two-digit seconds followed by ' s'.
3 h 20 min
